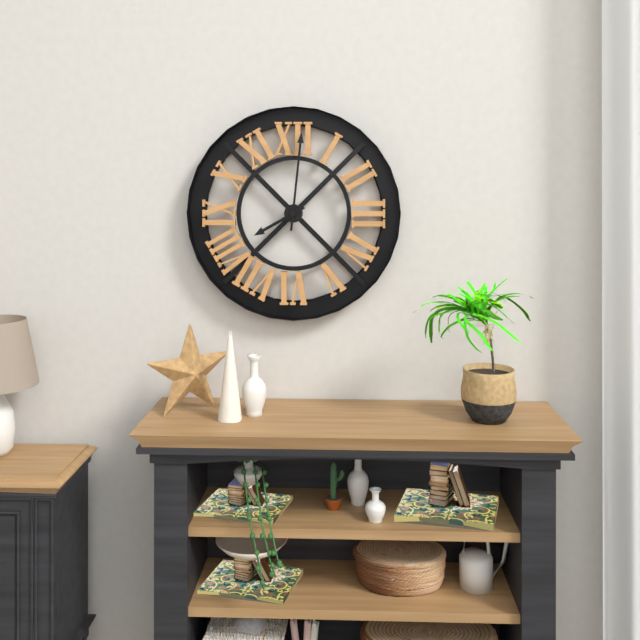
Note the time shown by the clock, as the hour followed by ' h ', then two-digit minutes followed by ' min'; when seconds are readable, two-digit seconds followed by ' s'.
8 h 01 min
